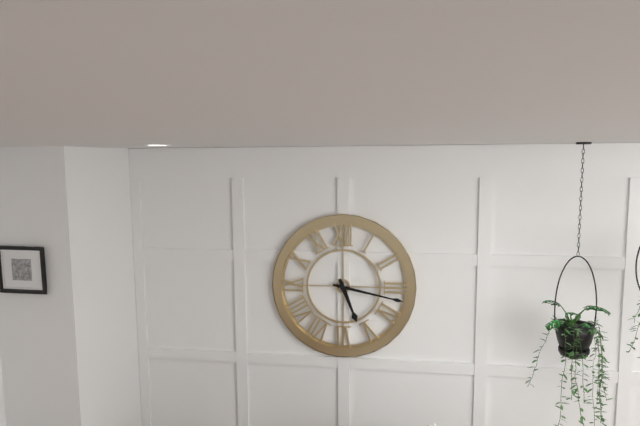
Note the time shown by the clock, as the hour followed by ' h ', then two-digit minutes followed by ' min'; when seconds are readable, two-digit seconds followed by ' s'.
5 h 17 min
